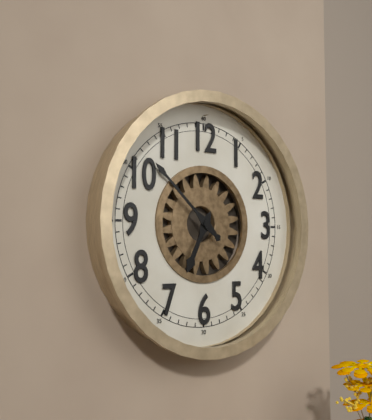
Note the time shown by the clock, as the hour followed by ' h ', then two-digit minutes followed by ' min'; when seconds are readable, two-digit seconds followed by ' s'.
6 h 52 min
